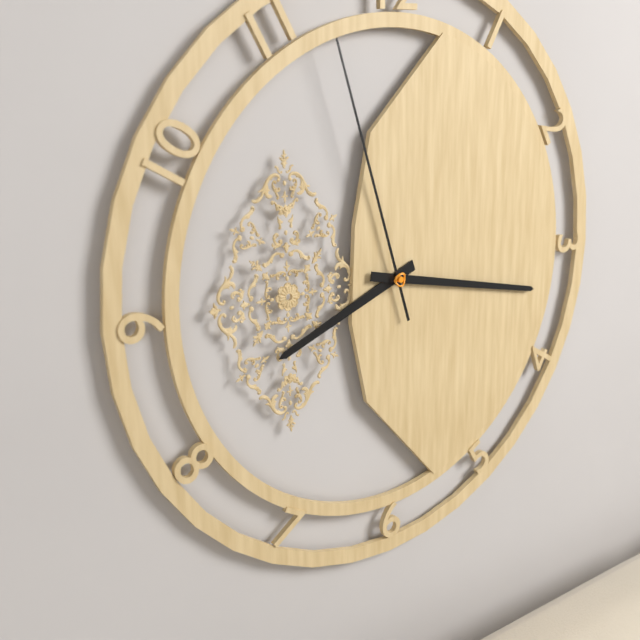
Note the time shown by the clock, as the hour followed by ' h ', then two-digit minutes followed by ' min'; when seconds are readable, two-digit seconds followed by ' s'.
8 h 17 min 57 s
